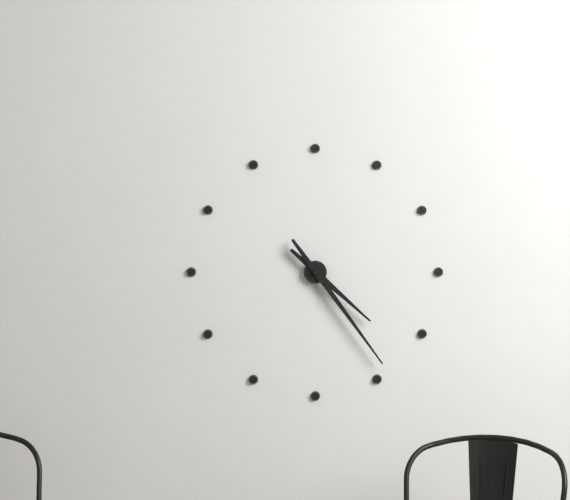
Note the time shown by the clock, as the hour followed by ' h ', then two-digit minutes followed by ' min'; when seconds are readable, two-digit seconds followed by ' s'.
4 h 24 min
